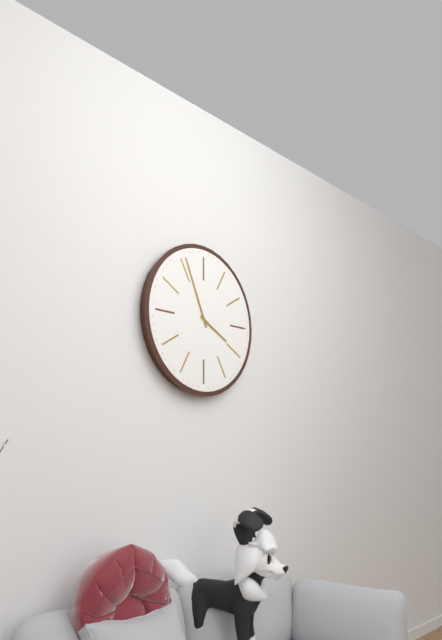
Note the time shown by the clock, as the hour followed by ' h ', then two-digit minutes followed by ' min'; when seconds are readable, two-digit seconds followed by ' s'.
3 h 56 min
